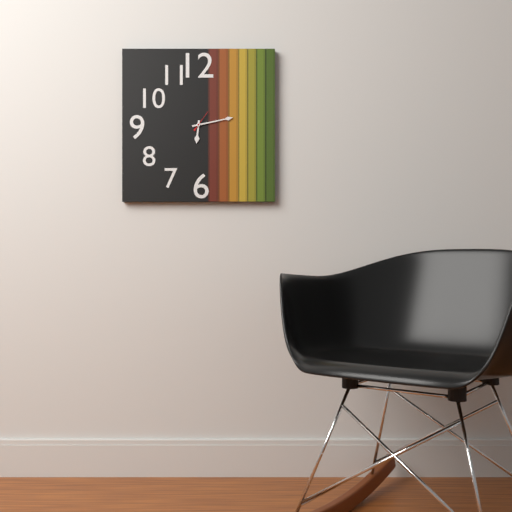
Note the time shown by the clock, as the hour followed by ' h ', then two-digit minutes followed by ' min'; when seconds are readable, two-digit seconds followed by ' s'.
6 h 13 min
